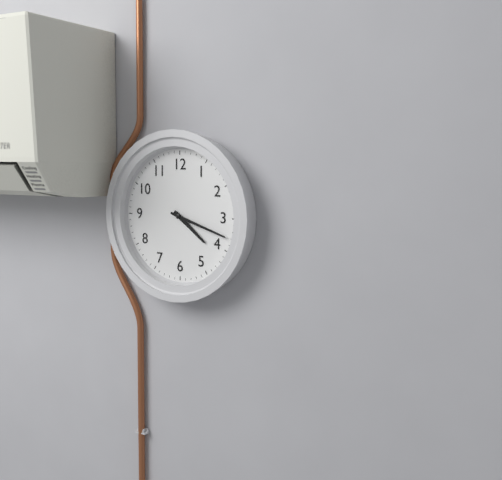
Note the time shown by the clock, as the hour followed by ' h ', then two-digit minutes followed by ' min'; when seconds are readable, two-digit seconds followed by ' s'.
4 h 18 min
